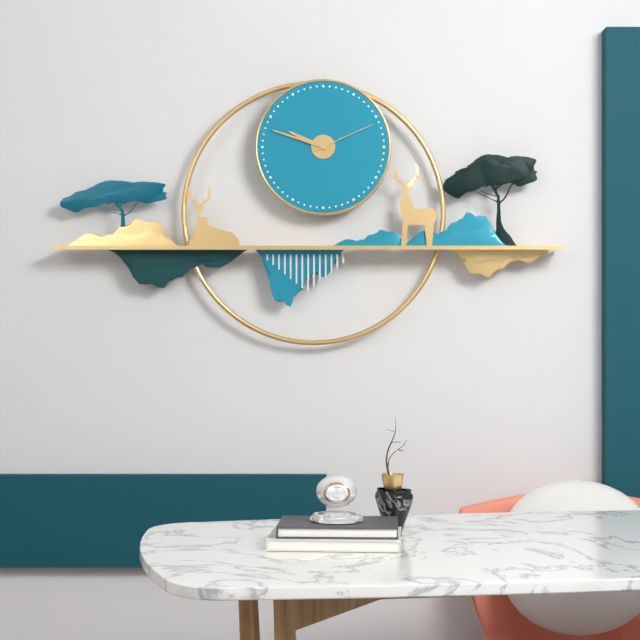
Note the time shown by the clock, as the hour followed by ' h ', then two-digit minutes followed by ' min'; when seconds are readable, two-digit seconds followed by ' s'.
9 h 48 min 11 s
